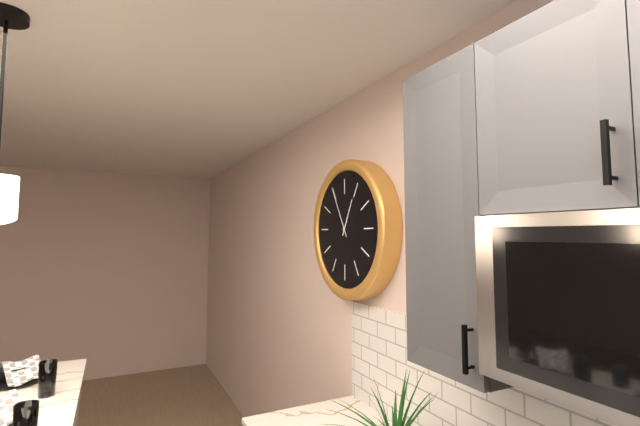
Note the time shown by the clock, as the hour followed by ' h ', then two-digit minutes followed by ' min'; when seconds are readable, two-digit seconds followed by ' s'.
12 h 55 min
